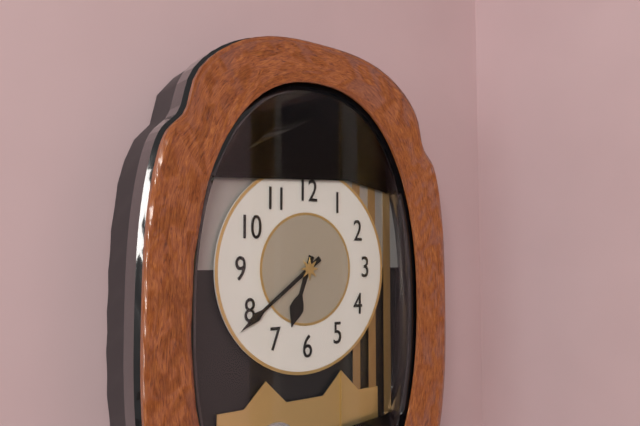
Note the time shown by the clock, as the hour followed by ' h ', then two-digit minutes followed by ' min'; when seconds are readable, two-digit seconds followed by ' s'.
6 h 39 min
